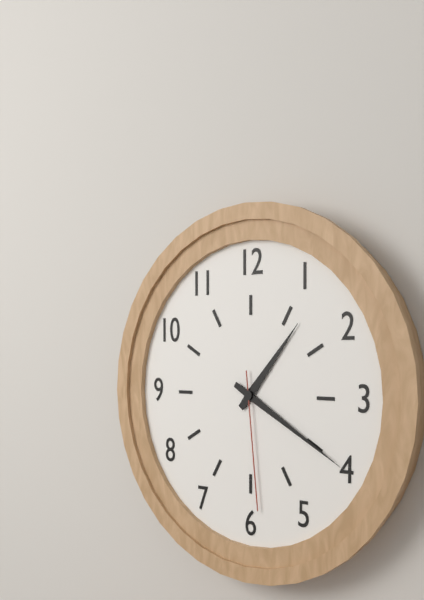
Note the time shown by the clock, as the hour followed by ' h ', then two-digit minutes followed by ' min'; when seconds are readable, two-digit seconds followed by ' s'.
1 h 20 min 29 s
